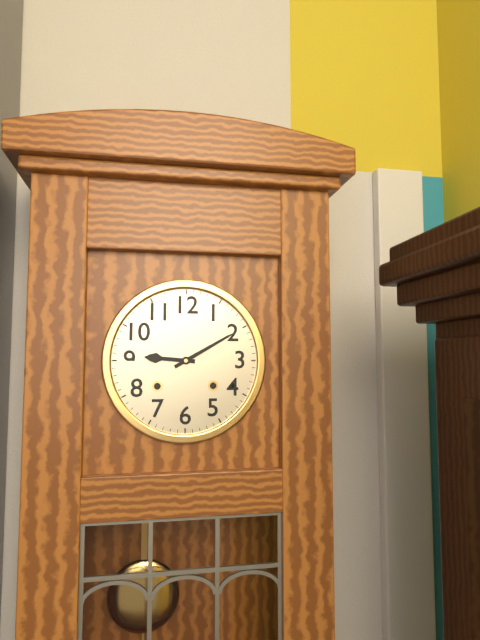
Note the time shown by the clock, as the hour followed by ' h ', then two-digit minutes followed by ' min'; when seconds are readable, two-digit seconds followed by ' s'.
9 h 10 min
